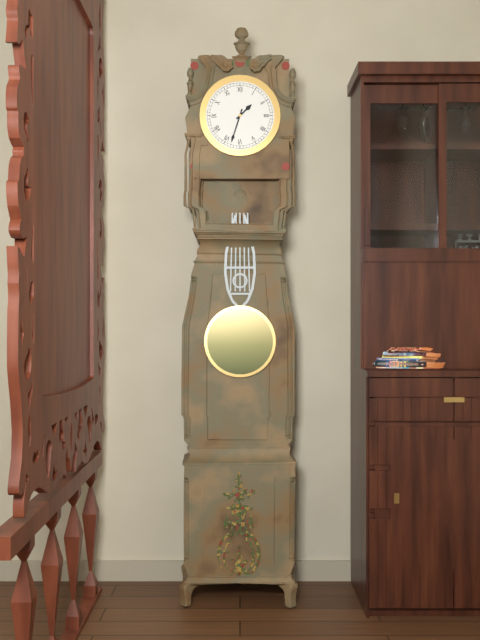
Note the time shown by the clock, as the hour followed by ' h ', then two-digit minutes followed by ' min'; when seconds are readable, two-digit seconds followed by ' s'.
1 h 33 min
